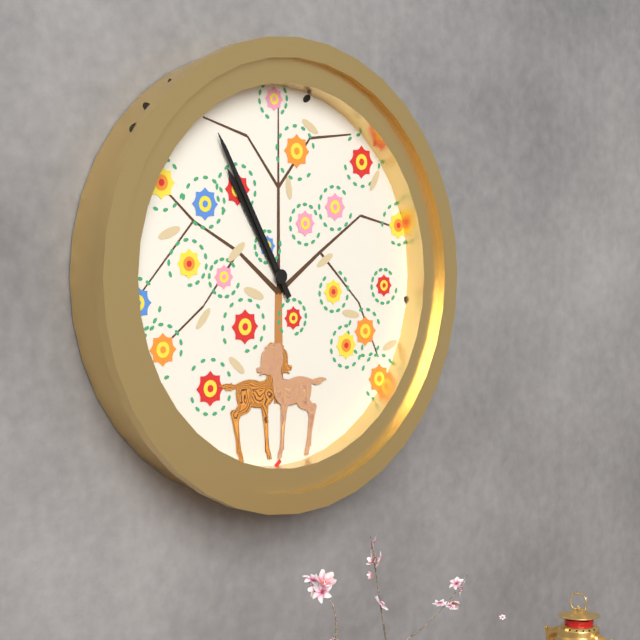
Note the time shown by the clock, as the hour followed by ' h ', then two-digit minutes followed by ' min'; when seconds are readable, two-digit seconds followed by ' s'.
10 h 55 min
